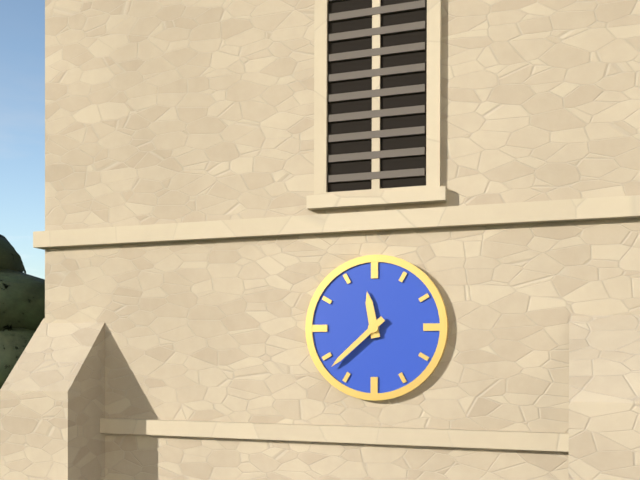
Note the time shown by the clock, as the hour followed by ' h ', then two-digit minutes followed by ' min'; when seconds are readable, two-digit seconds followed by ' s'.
11 h 38 min
